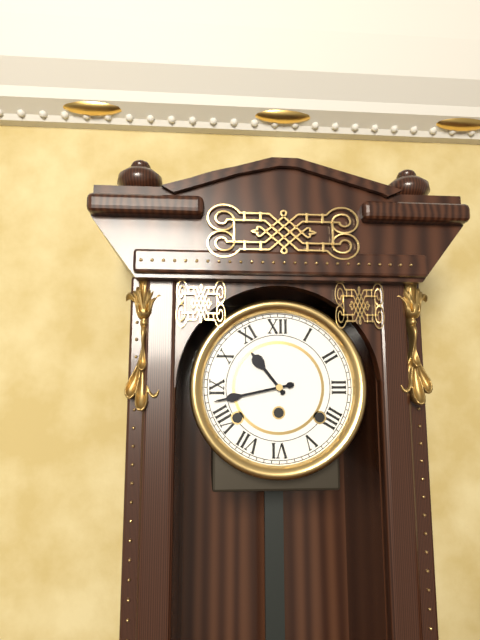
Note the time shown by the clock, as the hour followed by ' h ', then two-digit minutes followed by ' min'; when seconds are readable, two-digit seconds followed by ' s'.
10 h 43 min
